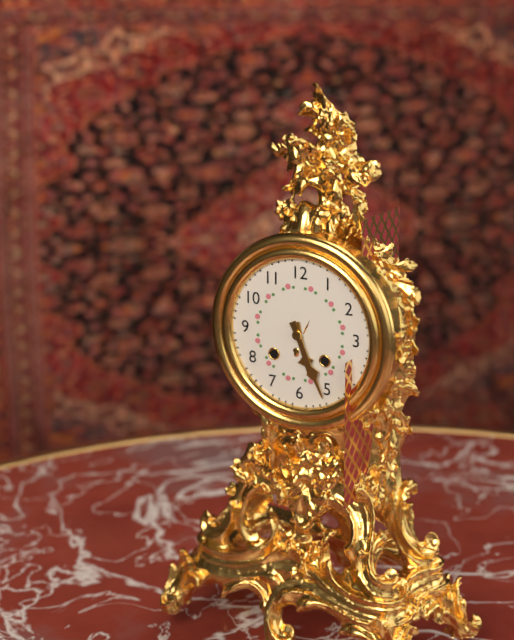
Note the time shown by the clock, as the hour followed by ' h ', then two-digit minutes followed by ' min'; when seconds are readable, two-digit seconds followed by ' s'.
5 h 26 min
